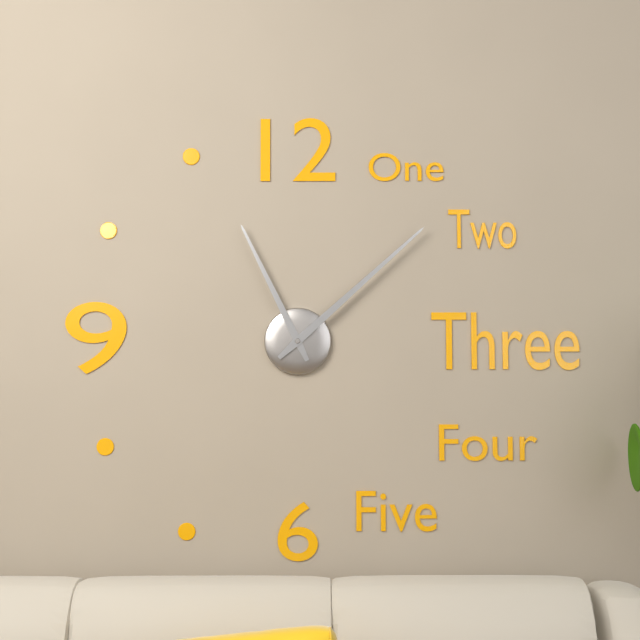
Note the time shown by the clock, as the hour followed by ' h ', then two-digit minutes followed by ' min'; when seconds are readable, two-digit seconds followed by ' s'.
11 h 08 min
